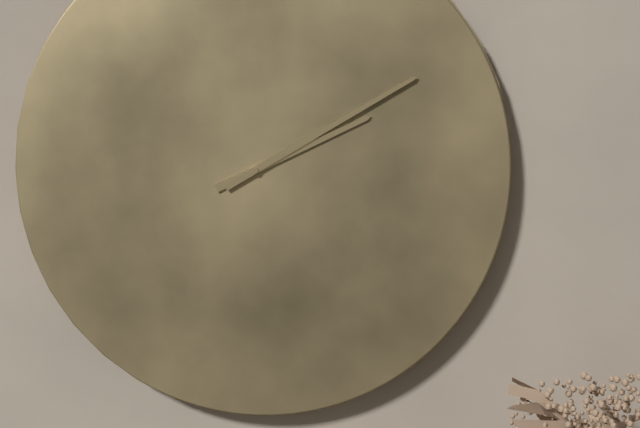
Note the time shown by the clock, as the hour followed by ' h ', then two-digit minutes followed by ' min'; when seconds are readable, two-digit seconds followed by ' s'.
2 h 10 min
